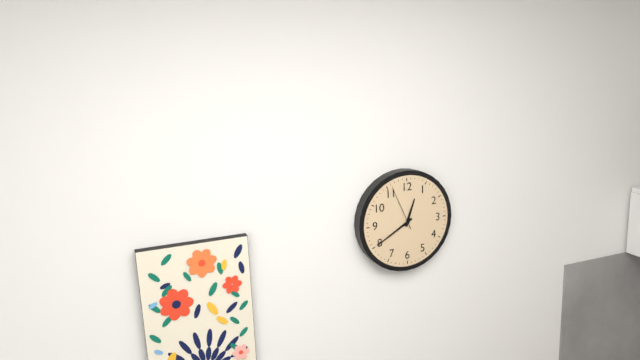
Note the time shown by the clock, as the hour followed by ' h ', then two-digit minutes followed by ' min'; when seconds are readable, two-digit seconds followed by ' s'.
12 h 40 min
